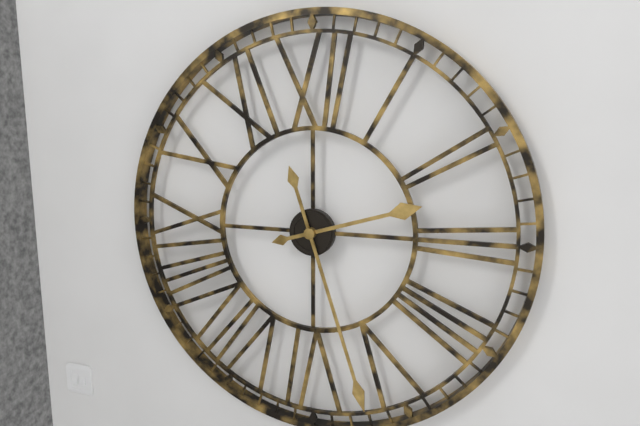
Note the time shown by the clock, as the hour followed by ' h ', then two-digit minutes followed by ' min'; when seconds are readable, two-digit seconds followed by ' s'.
2 h 27 min
